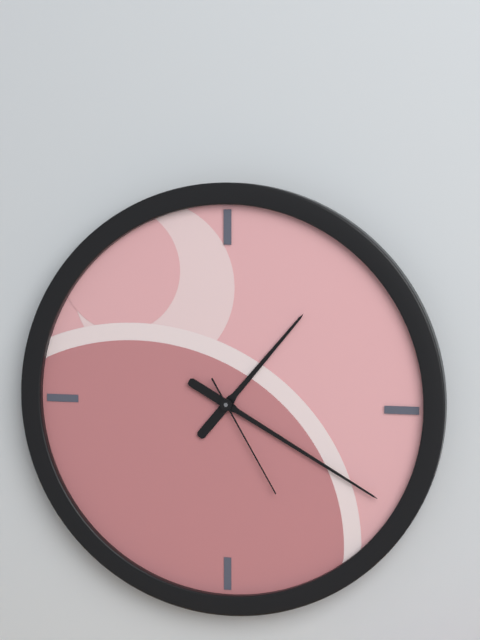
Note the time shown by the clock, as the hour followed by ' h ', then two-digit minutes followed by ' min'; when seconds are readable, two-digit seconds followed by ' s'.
1 h 20 min 25 s
